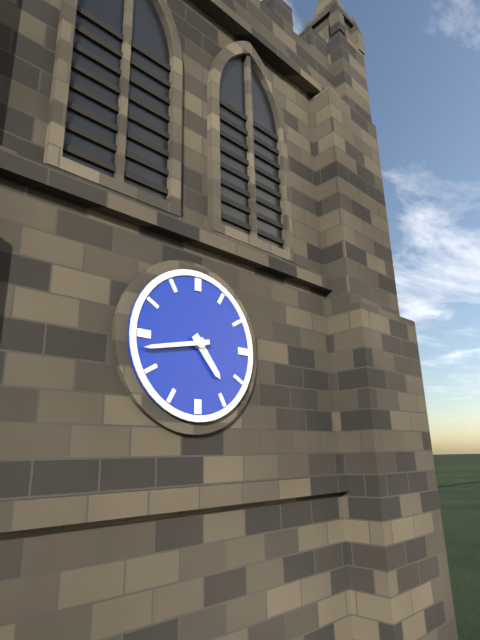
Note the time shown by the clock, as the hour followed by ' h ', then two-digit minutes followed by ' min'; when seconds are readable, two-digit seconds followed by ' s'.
4 h 43 min
